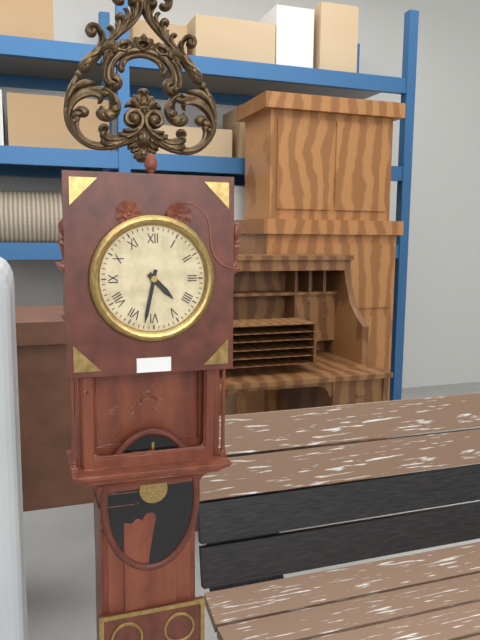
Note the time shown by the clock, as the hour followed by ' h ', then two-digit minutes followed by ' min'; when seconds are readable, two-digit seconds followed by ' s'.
4 h 32 min
